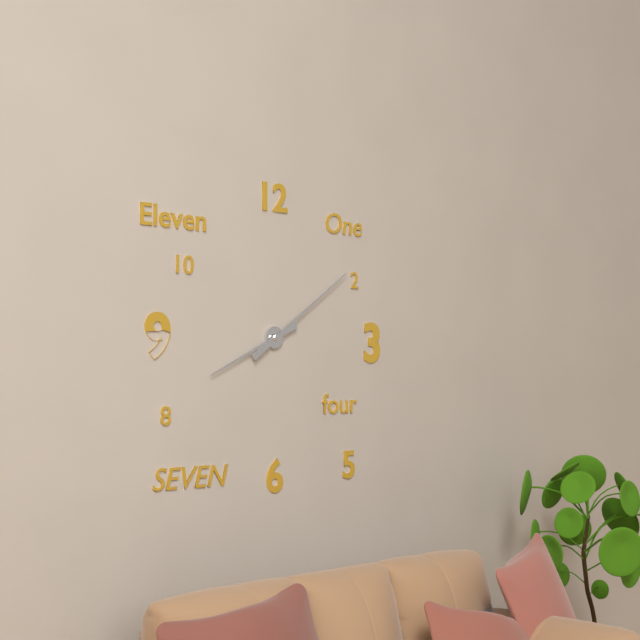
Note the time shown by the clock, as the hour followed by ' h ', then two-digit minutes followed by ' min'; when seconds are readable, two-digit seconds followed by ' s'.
8 h 09 min
